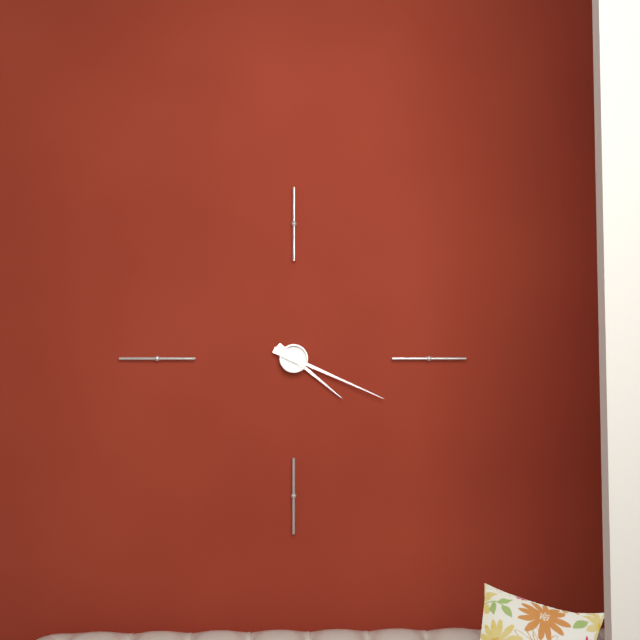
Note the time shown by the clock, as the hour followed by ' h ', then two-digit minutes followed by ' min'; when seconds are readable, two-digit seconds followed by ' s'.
4 h 19 min
